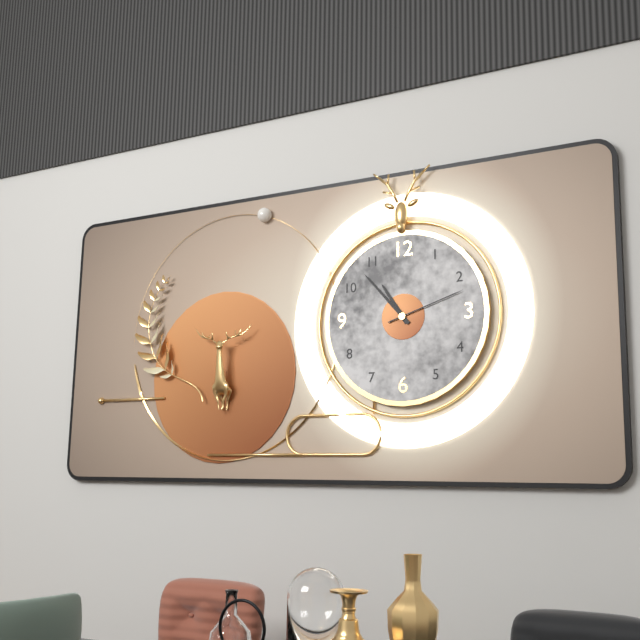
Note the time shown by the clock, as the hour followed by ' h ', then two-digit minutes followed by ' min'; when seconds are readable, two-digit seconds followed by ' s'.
10 h 53 min 12 s
